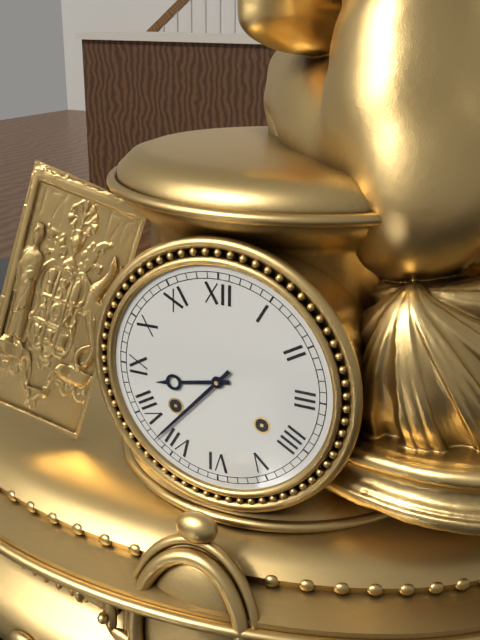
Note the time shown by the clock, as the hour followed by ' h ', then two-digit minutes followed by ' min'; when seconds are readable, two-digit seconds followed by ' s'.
8 h 37 min
